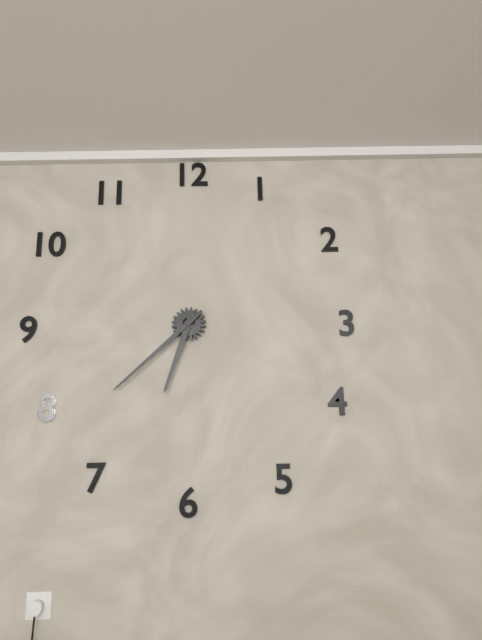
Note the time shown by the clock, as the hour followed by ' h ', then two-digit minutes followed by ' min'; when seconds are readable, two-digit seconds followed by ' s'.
6 h 38 min
